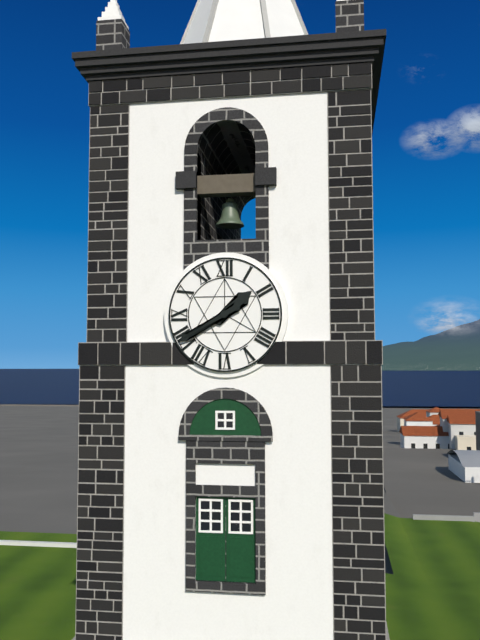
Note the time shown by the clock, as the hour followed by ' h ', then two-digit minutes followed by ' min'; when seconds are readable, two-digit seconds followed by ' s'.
1 h 40 min
